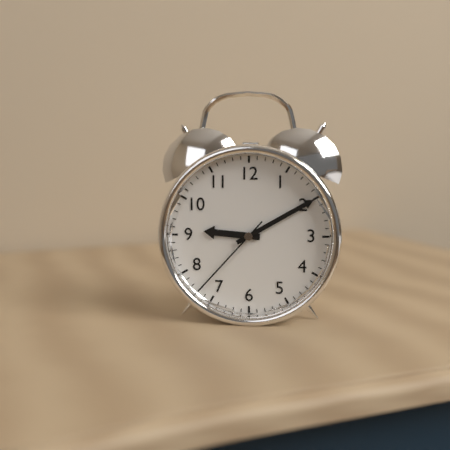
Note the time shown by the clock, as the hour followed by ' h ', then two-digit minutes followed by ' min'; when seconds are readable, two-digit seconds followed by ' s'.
9 h 10 min 37 s
